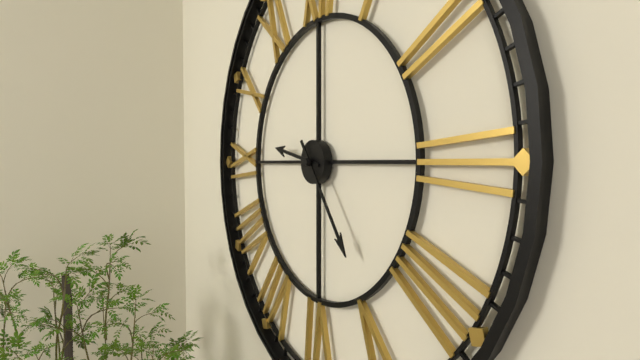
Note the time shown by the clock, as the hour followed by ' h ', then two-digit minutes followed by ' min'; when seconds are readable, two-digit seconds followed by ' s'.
9 h 24 min
